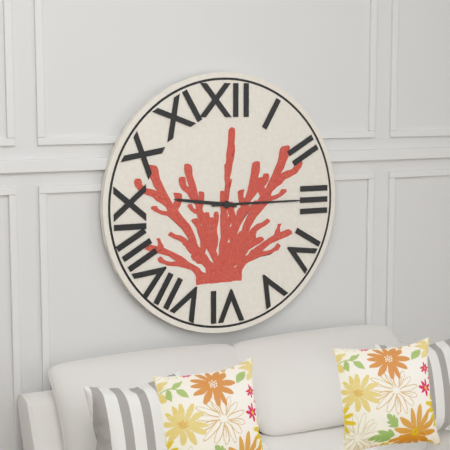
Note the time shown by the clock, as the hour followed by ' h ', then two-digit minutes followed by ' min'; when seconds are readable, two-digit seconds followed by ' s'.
9 h 15 min
